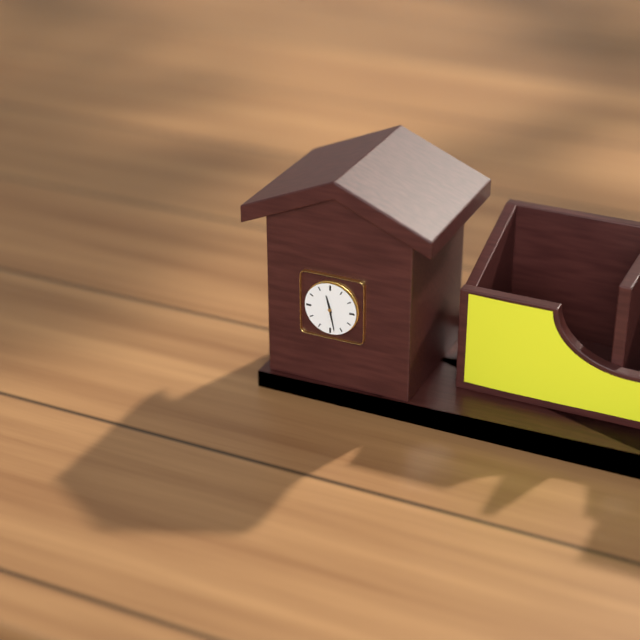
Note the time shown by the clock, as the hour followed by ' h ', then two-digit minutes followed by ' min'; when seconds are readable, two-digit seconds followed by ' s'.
11 h 28 min
